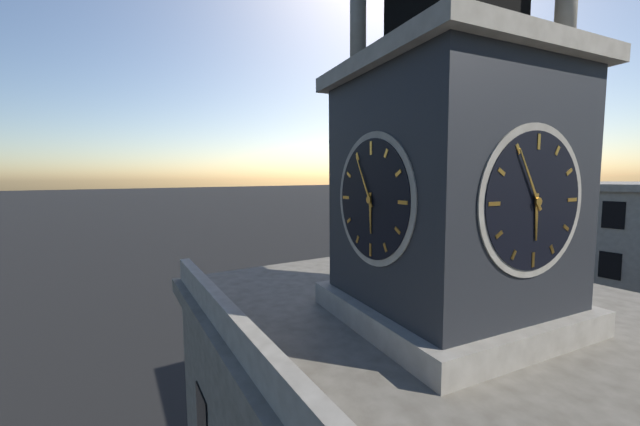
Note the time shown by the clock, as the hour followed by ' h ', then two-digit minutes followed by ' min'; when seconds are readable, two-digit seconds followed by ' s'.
5 h 55 min
